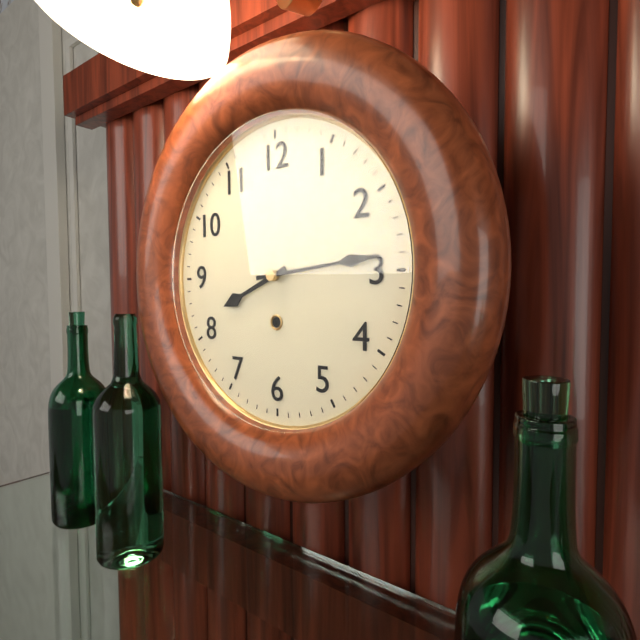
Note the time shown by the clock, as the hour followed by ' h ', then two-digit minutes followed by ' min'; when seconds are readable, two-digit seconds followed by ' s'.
8 h 14 min
